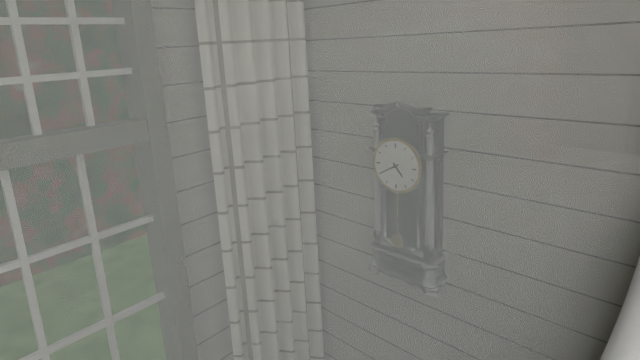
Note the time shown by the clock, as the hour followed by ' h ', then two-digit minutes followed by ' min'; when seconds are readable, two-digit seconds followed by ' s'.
4 h 40 min
